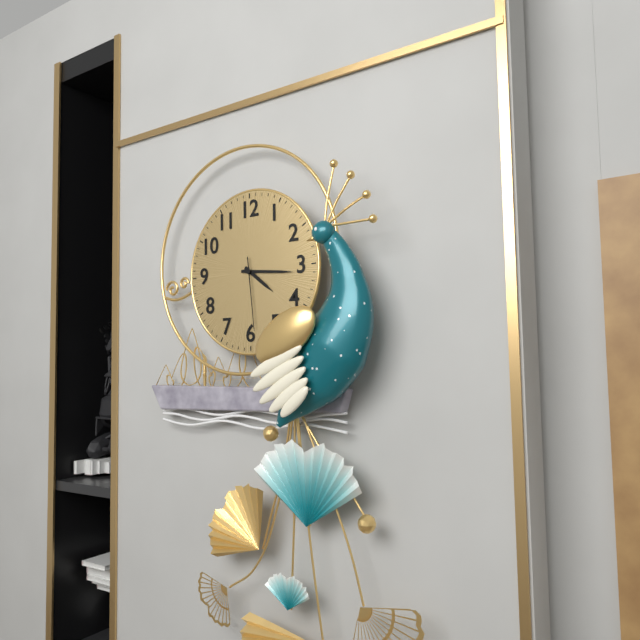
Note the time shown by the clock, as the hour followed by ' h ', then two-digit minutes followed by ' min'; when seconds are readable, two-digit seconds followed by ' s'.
4 h 16 min 29 s
